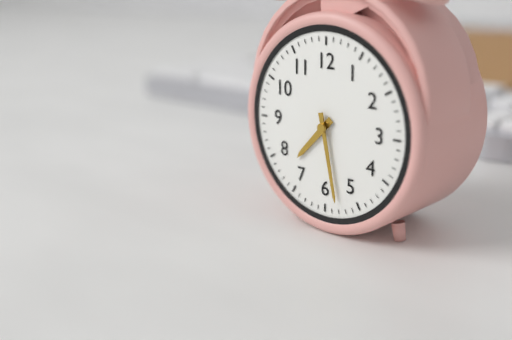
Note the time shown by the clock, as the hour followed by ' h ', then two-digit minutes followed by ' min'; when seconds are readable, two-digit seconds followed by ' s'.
7 h 28 min
